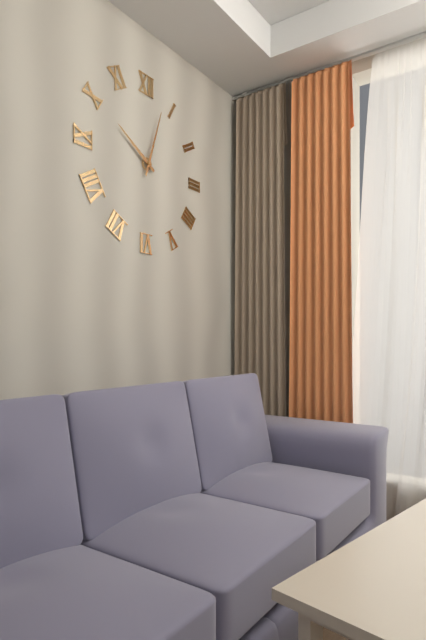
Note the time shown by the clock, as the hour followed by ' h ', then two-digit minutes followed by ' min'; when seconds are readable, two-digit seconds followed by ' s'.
10 h 03 min
